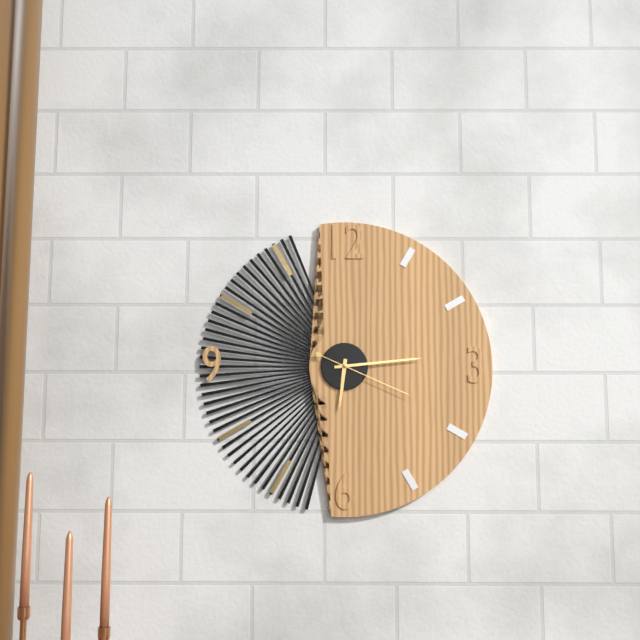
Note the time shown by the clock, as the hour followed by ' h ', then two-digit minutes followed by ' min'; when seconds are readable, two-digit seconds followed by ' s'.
6 h 14 min 19 s
